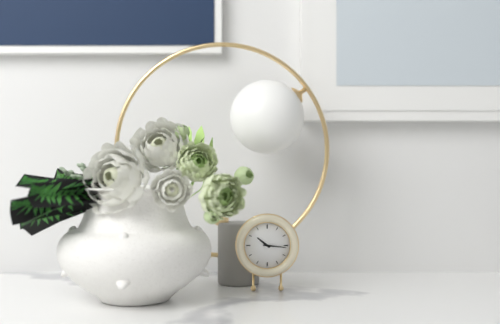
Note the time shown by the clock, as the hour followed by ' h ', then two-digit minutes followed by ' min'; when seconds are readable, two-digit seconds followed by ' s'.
10 h 16 min
